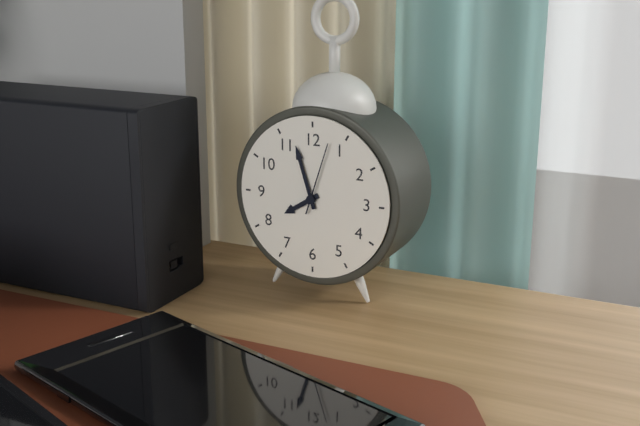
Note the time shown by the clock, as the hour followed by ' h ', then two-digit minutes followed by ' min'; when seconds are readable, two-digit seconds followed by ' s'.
7 h 57 min 03 s
